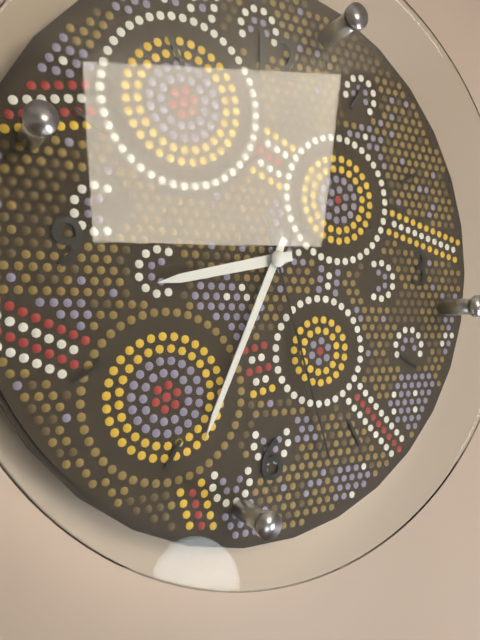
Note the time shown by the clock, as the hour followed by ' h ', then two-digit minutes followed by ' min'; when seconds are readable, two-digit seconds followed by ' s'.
8 h 34 min 27 s
